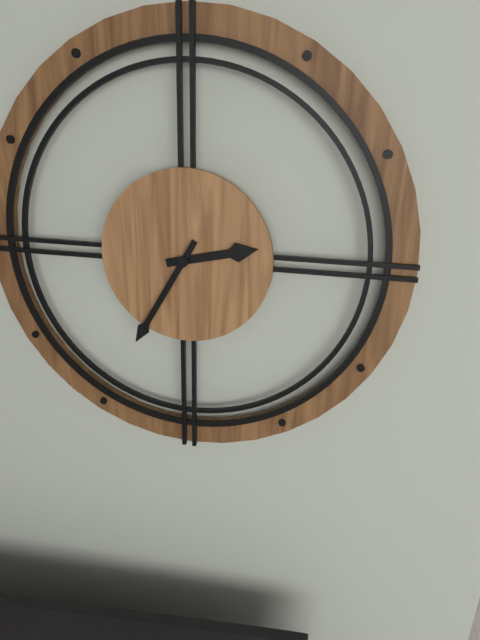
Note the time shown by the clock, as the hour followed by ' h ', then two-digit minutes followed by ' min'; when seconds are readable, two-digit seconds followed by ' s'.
2 h 35 min
